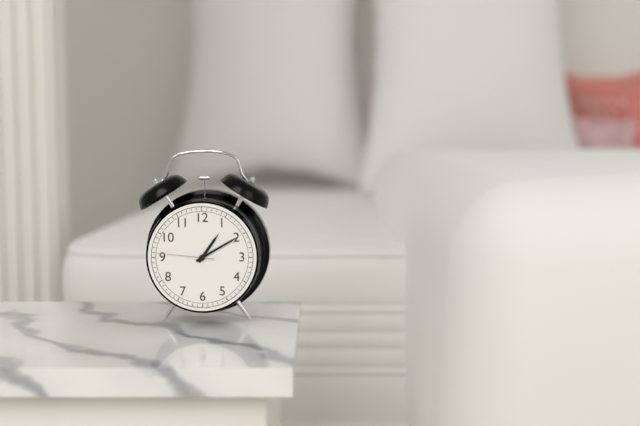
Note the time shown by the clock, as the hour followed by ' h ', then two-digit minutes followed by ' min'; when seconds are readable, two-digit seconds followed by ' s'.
1 h 10 min 46 s
